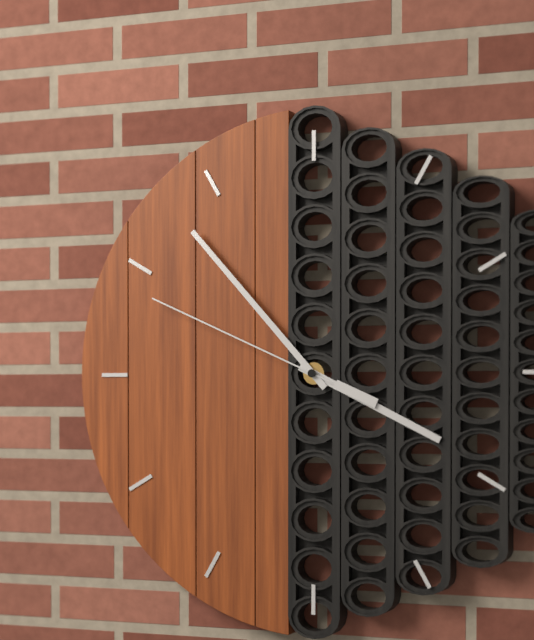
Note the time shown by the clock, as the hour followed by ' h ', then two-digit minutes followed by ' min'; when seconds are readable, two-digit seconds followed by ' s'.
3 h 53 min 49 s
